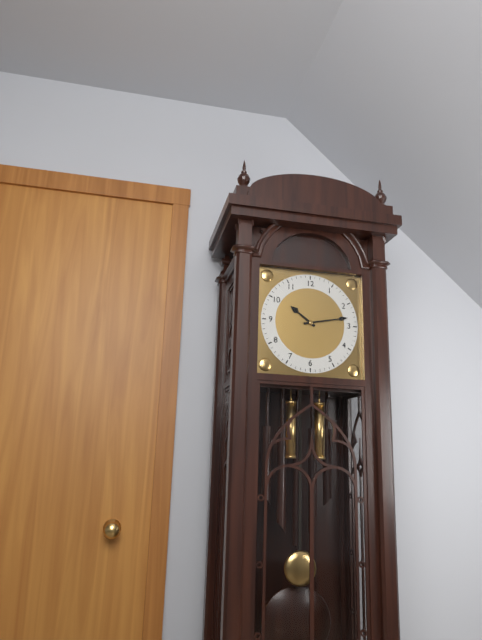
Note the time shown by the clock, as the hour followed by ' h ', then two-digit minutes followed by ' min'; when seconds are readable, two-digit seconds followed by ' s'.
10 h 13 min
